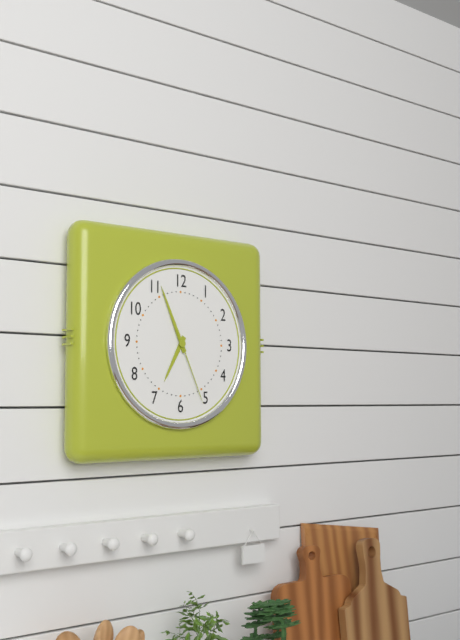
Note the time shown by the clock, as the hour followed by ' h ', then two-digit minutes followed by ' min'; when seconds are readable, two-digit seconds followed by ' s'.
6 h 56 min 26 s
